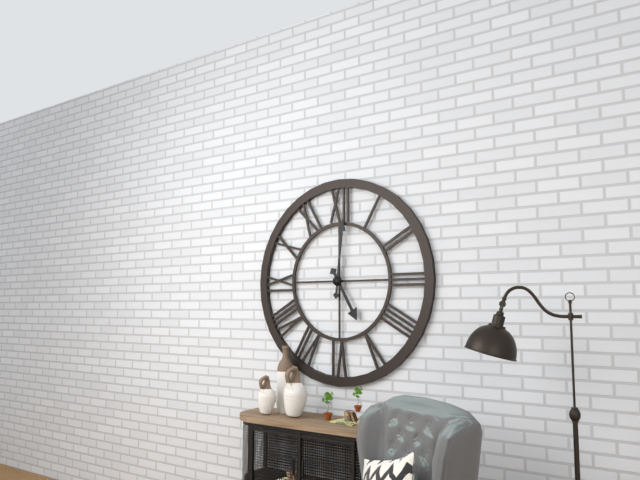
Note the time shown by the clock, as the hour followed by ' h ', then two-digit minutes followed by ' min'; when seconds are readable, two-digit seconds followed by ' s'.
5 h 01 min
